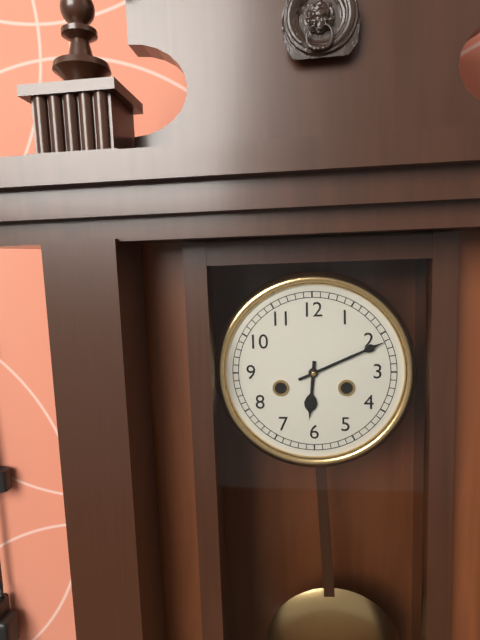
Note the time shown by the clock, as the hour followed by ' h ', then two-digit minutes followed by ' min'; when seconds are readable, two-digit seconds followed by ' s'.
6 h 11 min
